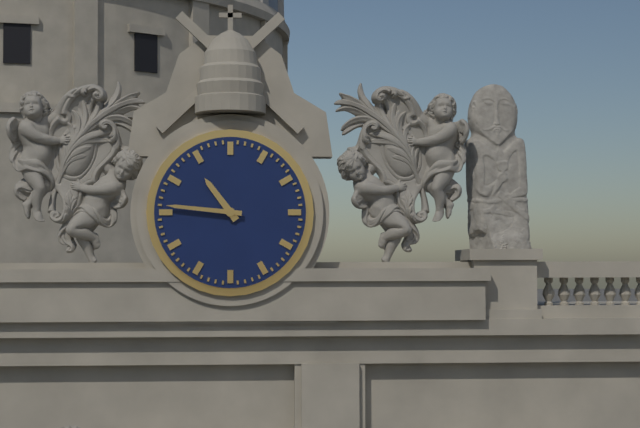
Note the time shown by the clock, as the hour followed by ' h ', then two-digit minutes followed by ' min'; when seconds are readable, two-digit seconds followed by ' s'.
10 h 46 min
